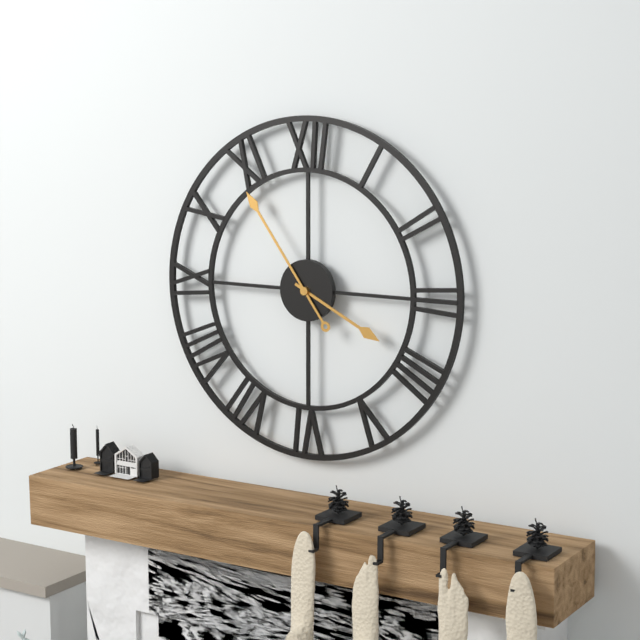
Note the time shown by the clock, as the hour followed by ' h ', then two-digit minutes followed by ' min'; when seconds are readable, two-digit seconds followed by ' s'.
3 h 54 min
